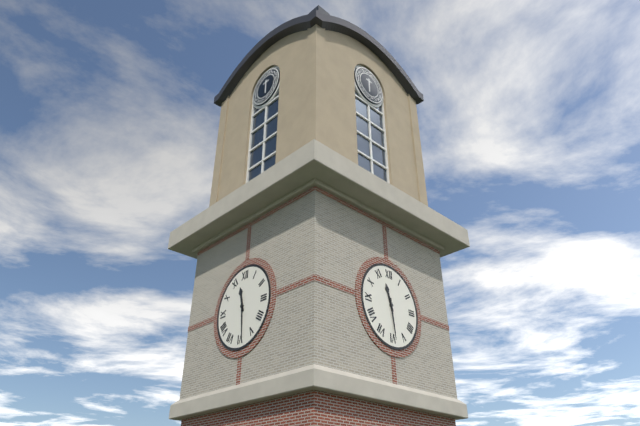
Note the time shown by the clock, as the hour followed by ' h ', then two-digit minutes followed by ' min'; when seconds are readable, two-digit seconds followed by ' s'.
11 h 29 min
